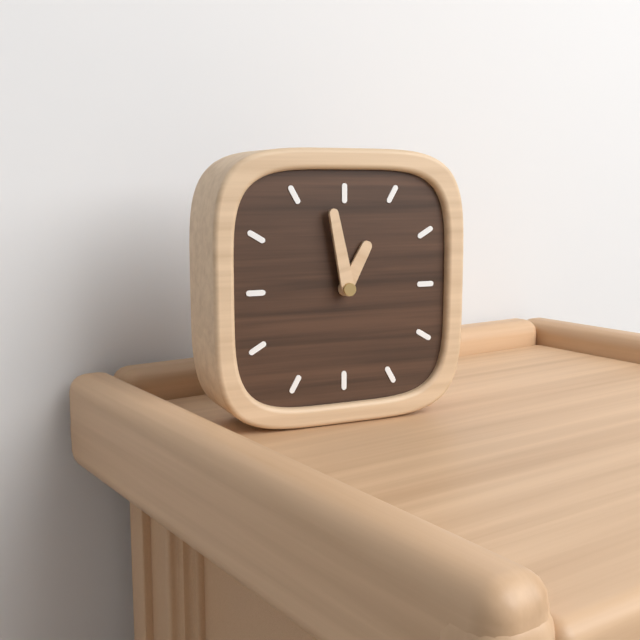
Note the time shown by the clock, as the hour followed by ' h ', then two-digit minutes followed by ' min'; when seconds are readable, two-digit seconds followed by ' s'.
12 h 58 min
